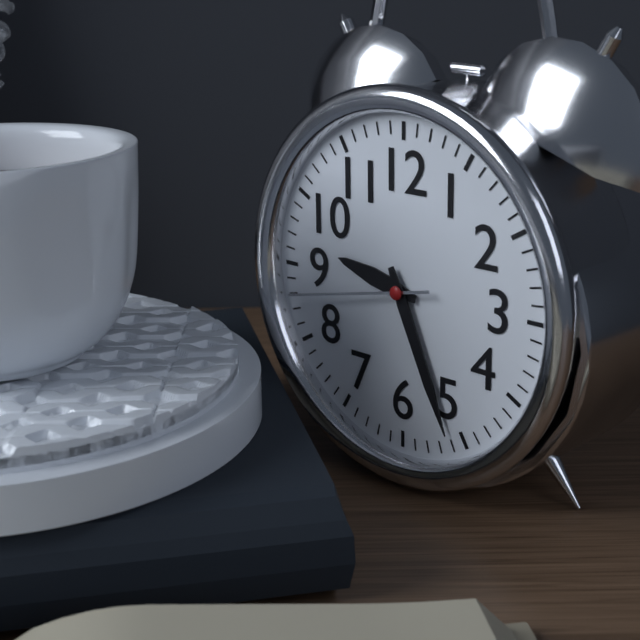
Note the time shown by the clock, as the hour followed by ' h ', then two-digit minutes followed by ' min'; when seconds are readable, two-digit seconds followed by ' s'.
9 h 26 min 43 s
